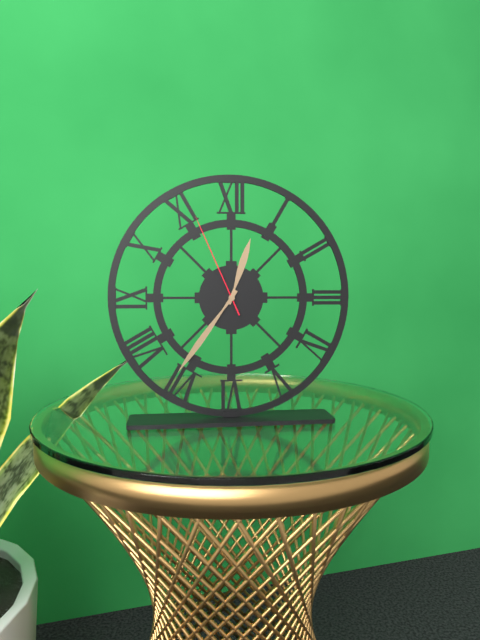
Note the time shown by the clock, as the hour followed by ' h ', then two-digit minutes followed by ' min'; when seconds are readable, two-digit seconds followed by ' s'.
12 h 36 min 56 s
